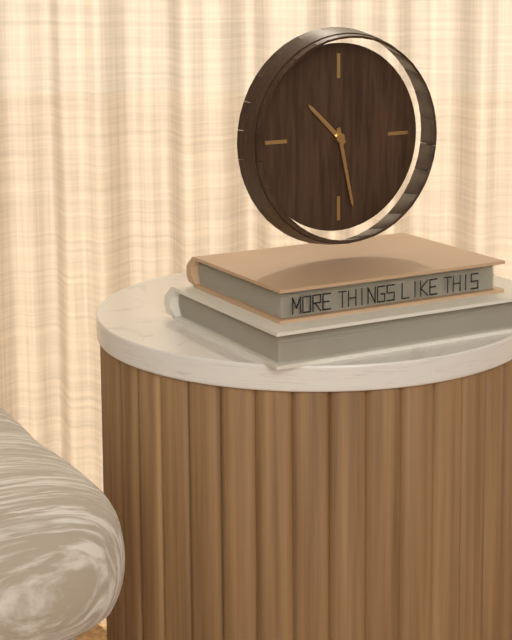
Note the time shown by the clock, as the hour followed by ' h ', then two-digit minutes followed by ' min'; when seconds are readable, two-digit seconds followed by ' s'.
10 h 28 min
